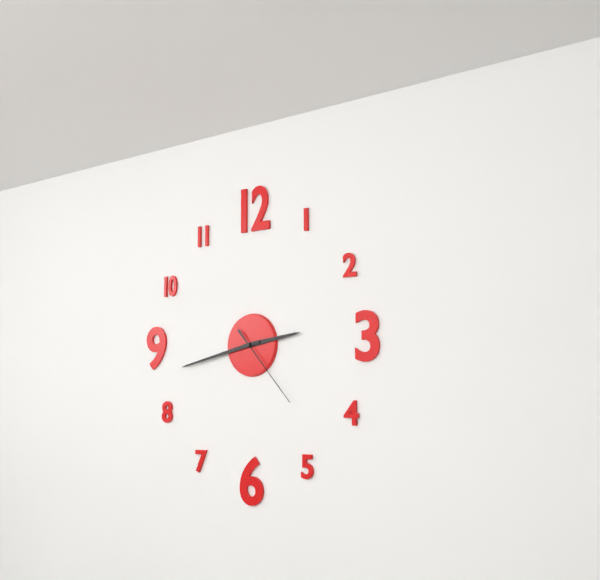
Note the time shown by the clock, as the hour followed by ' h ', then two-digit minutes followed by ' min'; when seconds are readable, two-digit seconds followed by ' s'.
2 h 43 min 23 s
